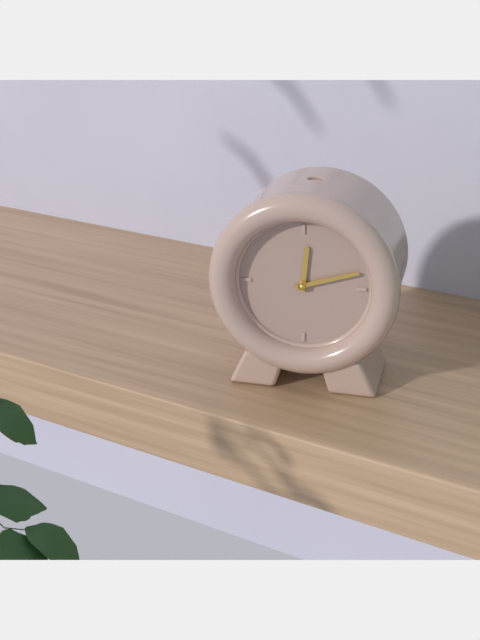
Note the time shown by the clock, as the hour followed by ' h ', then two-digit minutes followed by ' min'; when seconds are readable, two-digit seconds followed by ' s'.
12 h 12 min
